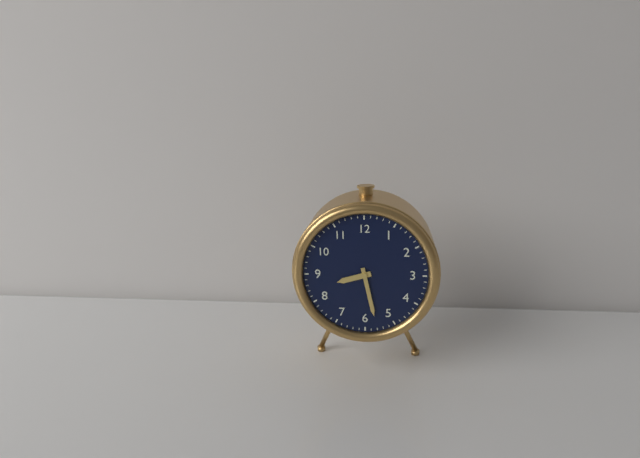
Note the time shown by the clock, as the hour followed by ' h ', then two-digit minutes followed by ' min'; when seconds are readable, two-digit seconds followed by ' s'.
8 h 28 min
